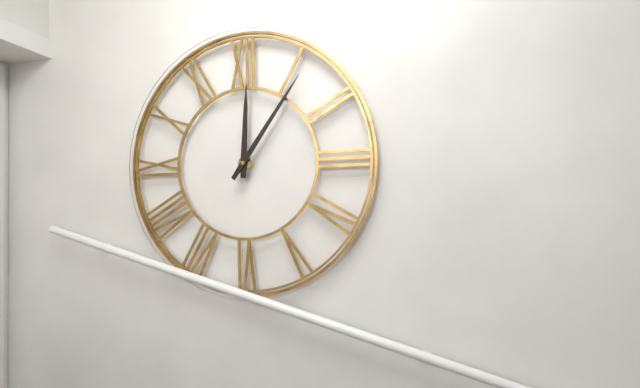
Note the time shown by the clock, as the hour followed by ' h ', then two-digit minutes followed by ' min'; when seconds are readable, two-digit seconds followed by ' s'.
12 h 06 min
